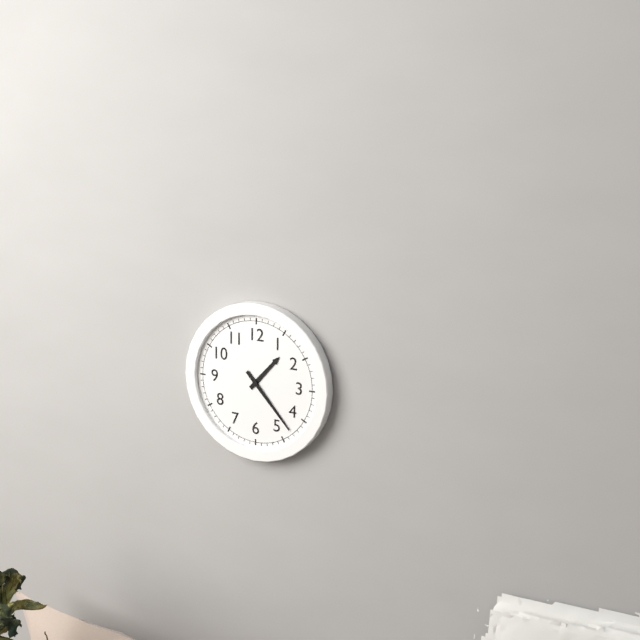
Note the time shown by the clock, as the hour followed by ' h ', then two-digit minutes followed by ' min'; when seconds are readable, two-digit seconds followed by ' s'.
1 h 23 min
